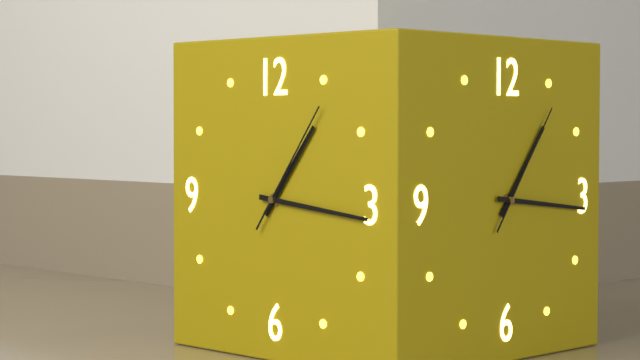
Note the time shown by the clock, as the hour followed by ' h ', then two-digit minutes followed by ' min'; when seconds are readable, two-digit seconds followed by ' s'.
1 h 16 min 06 s
